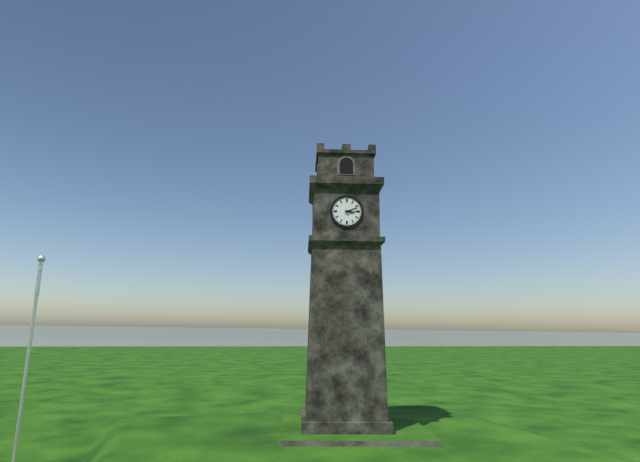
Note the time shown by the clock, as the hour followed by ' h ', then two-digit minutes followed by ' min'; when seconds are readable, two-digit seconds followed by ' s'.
3 h 12 min
